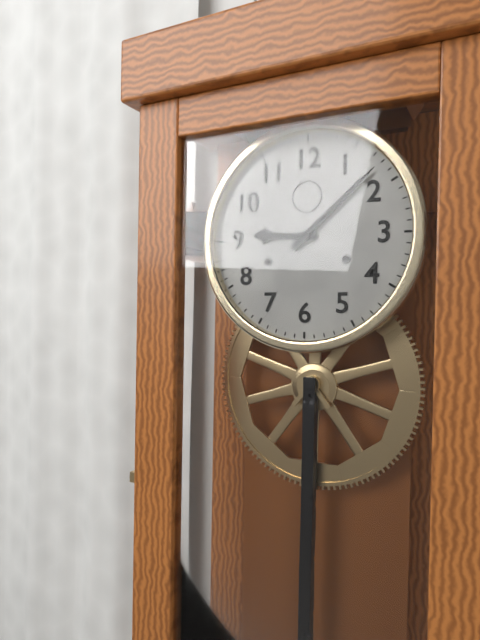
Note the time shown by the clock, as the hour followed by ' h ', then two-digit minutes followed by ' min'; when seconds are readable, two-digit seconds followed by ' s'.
9 h 08 min
